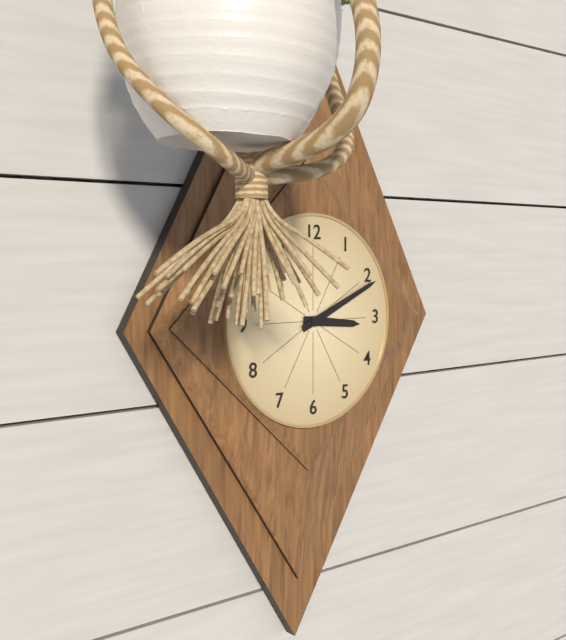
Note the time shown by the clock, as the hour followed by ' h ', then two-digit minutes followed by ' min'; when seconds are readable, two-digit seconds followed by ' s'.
3 h 11 min
